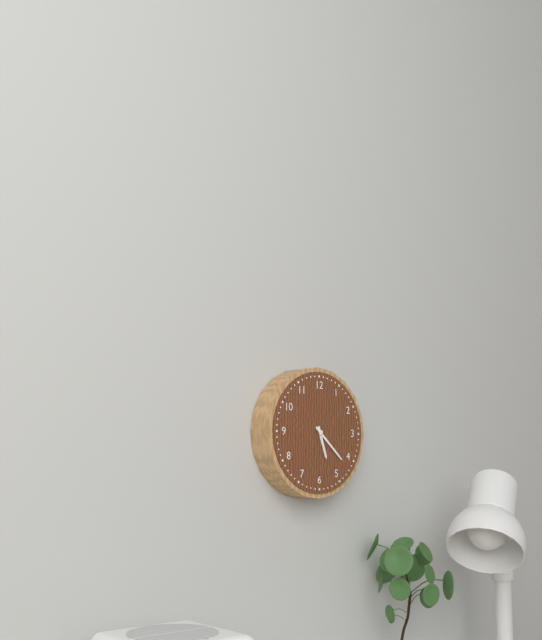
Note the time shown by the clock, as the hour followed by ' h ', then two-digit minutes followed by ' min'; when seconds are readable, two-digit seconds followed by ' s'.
5 h 22 min
